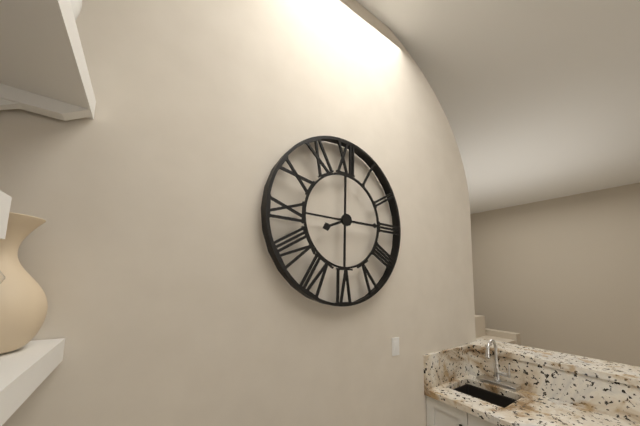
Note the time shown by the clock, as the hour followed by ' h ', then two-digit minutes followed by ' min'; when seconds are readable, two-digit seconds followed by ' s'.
8 h 15 min
